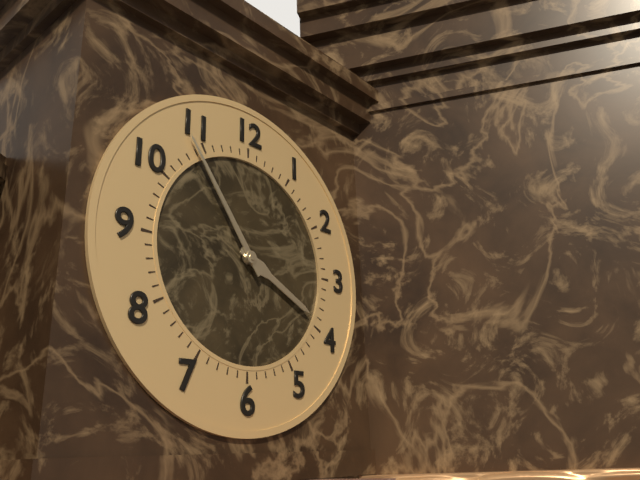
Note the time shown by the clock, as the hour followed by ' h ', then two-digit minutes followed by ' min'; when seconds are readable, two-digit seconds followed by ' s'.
3 h 54 min
